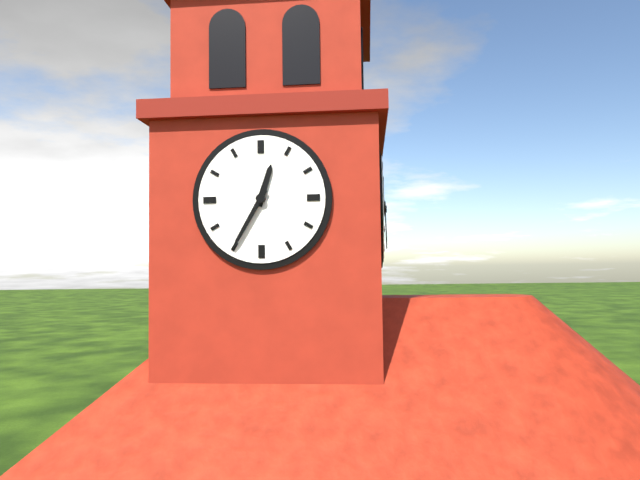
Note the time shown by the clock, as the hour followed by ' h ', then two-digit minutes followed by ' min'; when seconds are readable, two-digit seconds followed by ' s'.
12 h 35 min
